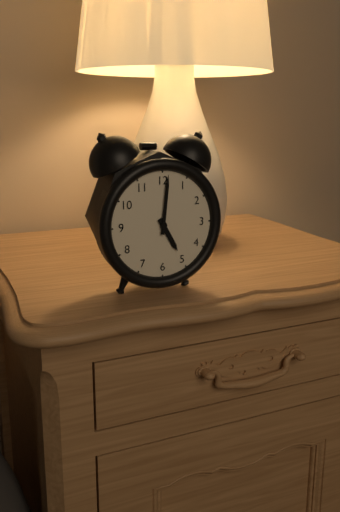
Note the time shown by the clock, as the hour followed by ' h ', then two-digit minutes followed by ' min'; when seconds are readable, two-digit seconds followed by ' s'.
5 h 01 min
